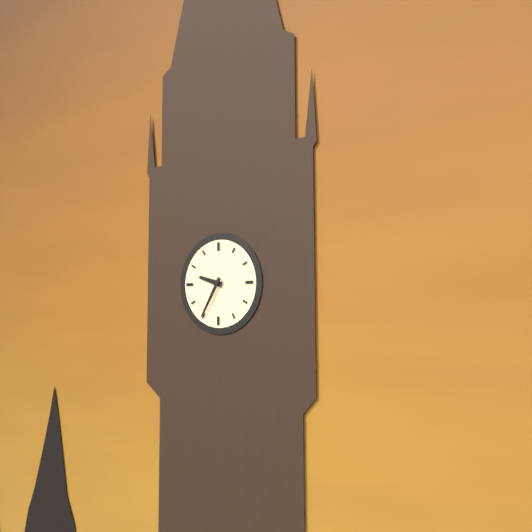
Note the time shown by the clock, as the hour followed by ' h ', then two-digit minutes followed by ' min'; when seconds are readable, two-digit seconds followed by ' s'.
9 h 35 min
